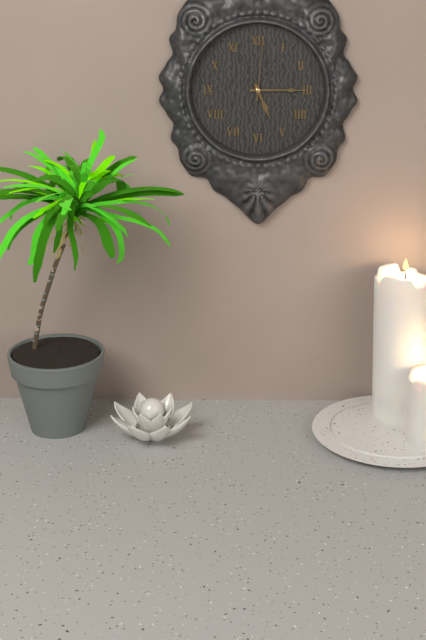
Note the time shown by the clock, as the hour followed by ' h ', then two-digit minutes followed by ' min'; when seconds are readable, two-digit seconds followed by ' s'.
5 h 15 min 01 s
